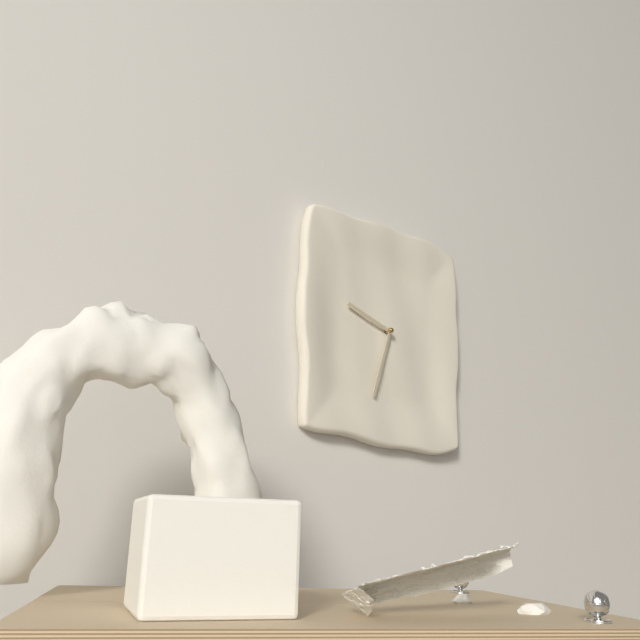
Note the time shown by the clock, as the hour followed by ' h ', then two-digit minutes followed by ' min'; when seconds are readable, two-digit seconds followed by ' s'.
9 h 33 min
